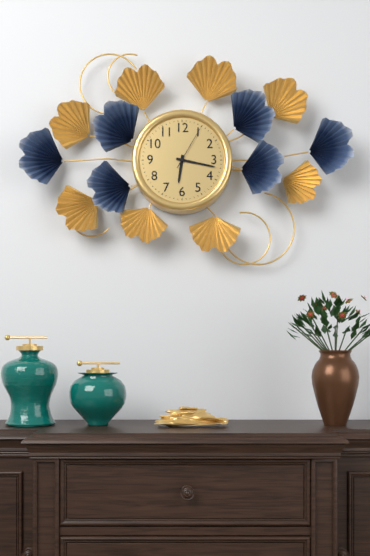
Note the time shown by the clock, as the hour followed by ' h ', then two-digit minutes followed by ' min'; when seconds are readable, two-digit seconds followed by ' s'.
6 h 17 min
